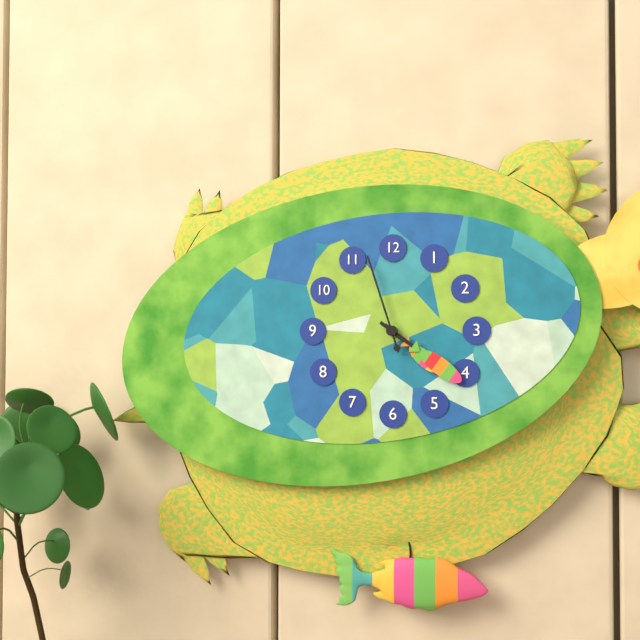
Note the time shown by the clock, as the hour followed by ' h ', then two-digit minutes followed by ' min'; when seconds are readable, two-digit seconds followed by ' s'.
4 h 21 min 57 s
